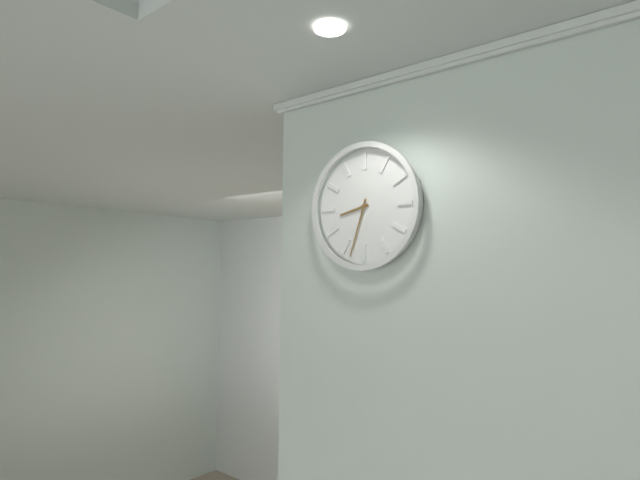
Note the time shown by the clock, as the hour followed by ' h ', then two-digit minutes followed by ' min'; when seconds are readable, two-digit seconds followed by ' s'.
8 h 33 min
